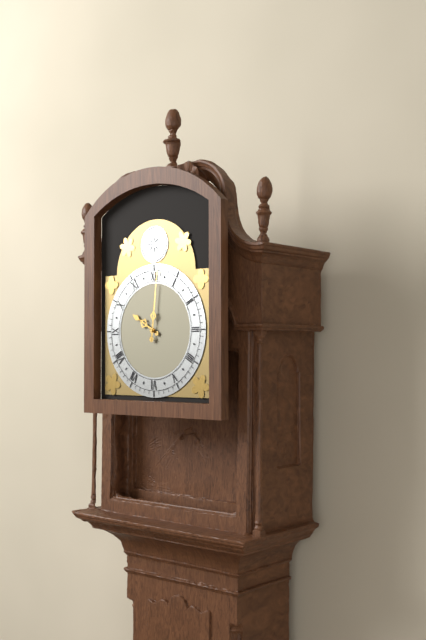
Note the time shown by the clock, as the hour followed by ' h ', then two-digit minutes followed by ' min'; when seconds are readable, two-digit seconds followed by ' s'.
10 h 01 min
